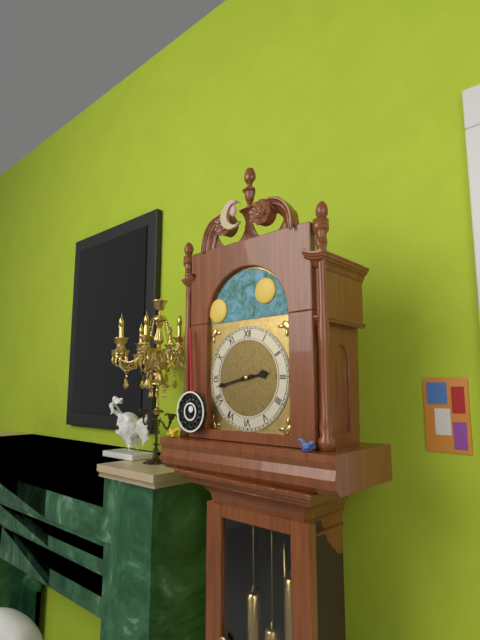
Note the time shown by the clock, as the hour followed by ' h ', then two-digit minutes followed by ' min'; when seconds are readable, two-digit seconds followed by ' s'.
2 h 43 min
